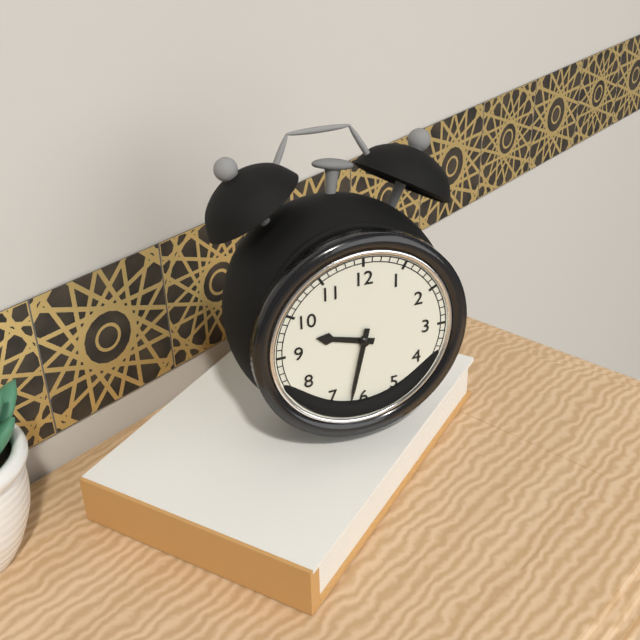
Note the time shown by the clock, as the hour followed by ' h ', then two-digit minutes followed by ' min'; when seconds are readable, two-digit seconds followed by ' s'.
9 h 32 min
